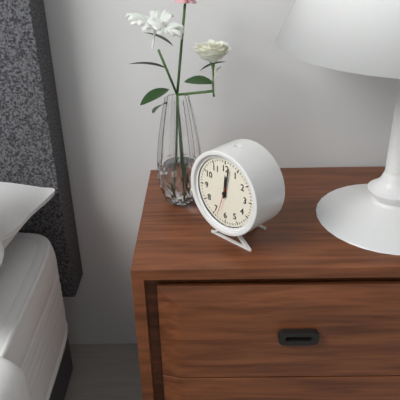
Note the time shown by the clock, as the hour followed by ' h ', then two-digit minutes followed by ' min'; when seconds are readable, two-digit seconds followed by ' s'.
12 h 02 min
